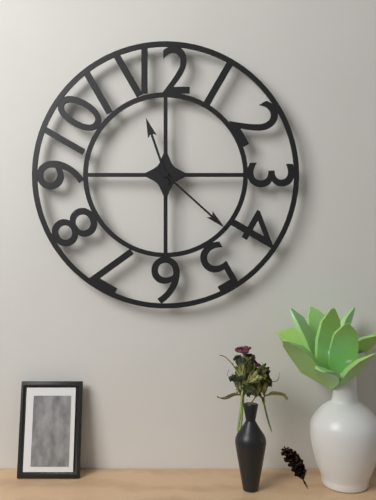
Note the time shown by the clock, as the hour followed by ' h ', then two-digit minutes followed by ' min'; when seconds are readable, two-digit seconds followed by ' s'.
11 h 22 min
